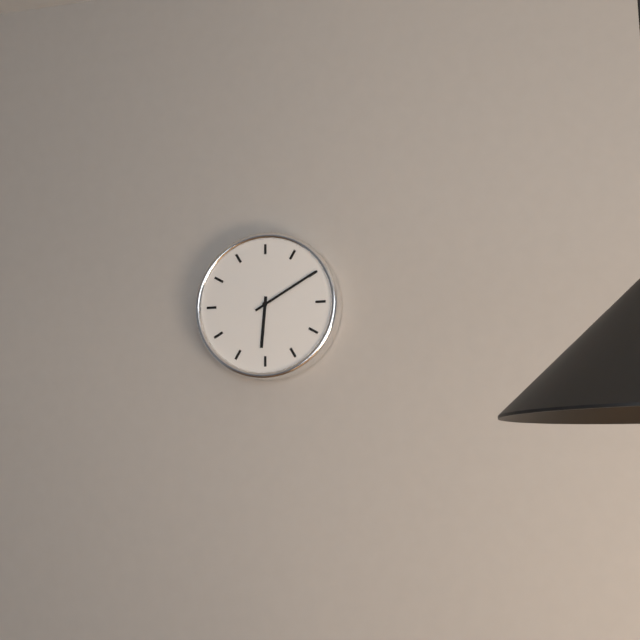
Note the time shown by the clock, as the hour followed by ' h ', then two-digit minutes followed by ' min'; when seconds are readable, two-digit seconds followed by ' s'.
6 h 10 min
